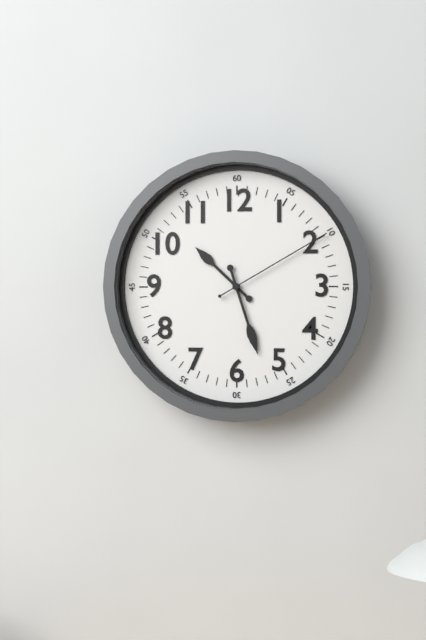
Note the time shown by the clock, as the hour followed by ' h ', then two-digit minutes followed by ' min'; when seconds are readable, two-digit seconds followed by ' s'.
10 h 27 min 10 s
